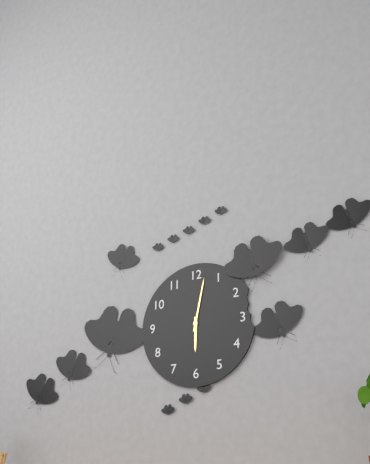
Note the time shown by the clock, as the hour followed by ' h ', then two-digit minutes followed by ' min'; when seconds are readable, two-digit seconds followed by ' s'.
6 h 02 min
